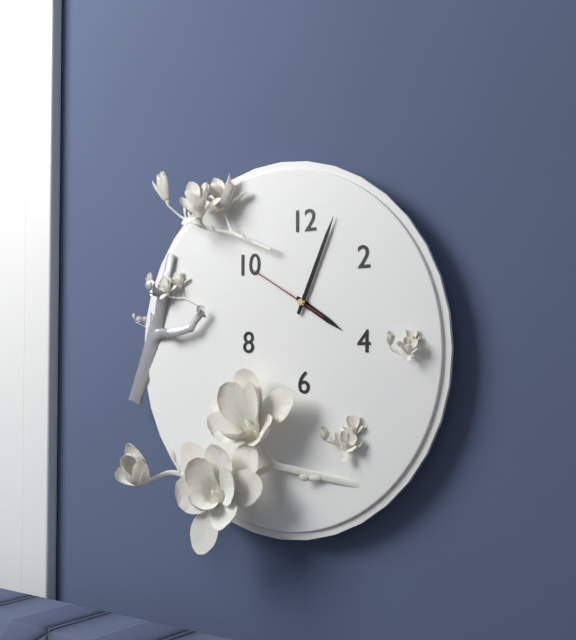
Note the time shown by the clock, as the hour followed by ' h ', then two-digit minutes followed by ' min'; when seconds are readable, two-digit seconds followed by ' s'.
4 h 04 min 50 s
